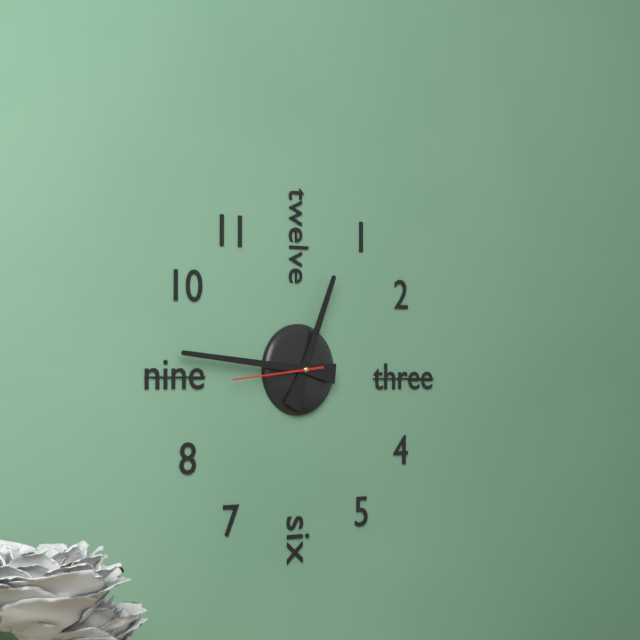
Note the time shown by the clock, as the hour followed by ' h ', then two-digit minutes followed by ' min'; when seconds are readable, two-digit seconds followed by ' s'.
12 h 46 min 44 s
